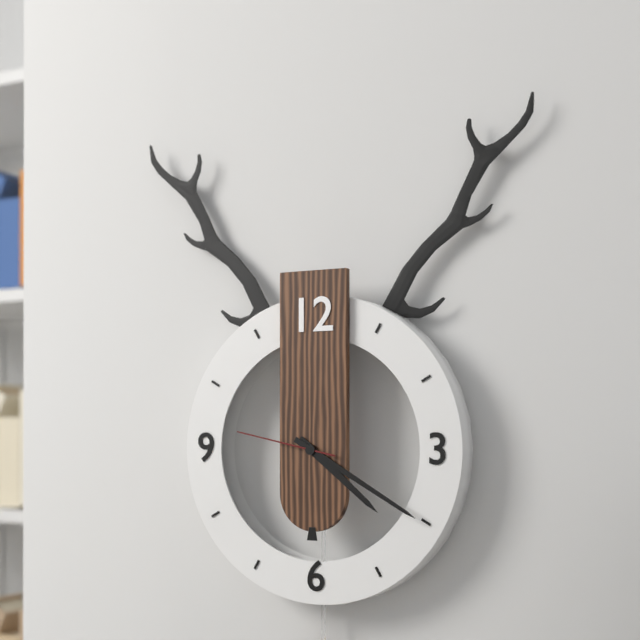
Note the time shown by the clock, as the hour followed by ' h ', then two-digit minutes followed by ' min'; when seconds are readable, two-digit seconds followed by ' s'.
4 h 20 min 47 s
